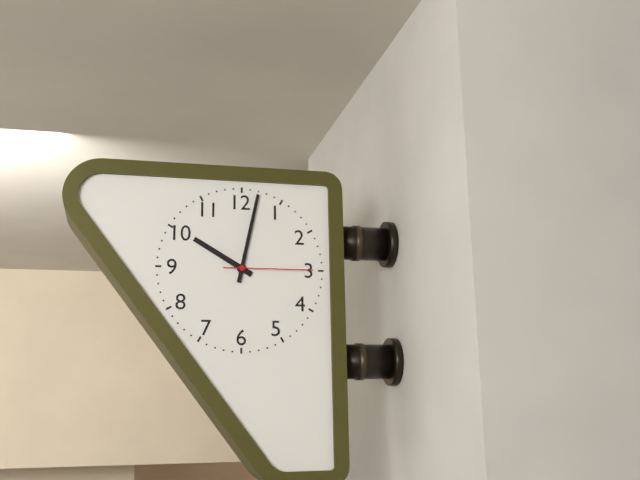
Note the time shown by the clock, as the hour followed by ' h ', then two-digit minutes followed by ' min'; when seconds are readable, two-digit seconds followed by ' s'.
10 h 02 min 15 s
